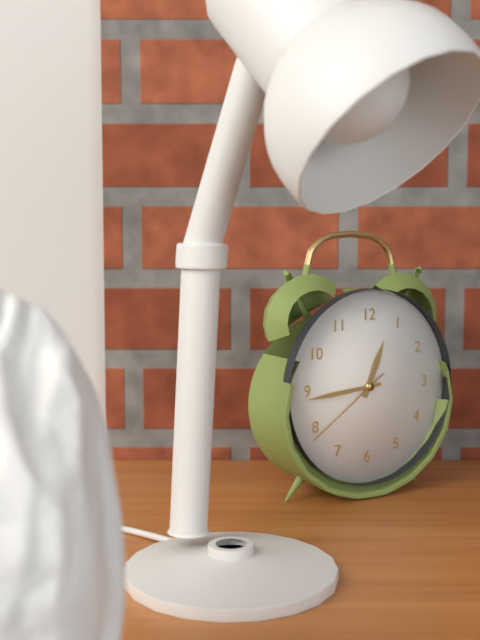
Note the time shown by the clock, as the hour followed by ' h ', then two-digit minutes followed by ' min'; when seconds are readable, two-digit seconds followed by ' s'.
12 h 44 min 39 s
